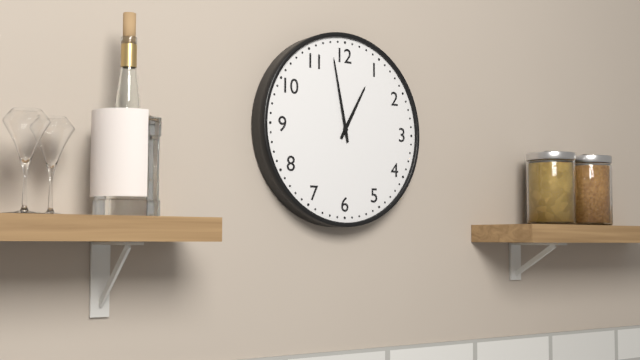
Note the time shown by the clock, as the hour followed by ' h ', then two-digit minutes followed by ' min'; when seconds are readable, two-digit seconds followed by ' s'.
12 h 58 min
